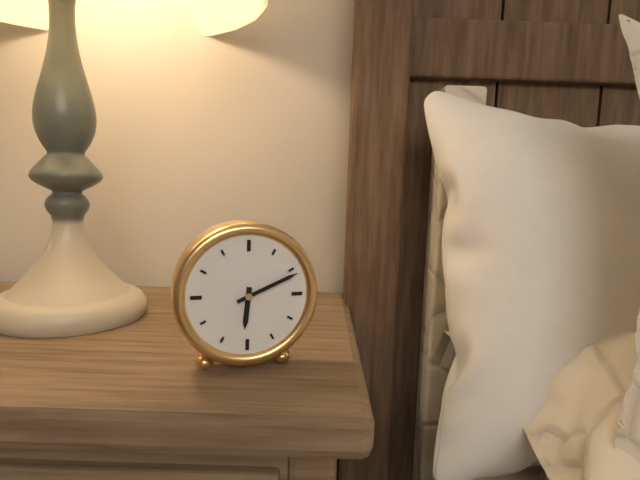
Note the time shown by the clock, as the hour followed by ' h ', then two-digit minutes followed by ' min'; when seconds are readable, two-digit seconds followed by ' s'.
6 h 11 min
